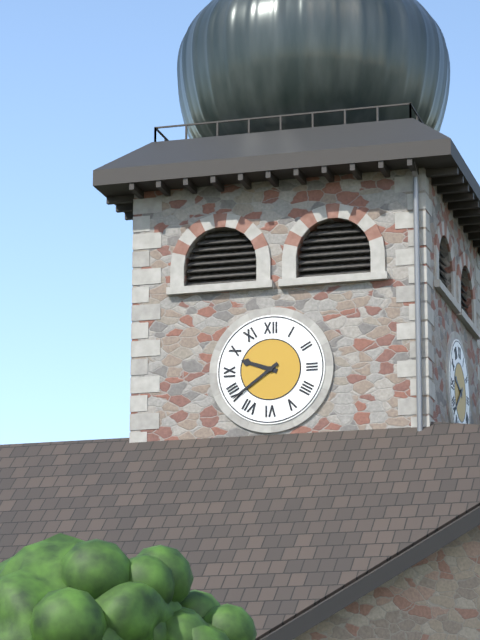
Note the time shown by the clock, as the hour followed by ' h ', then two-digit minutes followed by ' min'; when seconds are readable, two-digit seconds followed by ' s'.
9 h 39 min
